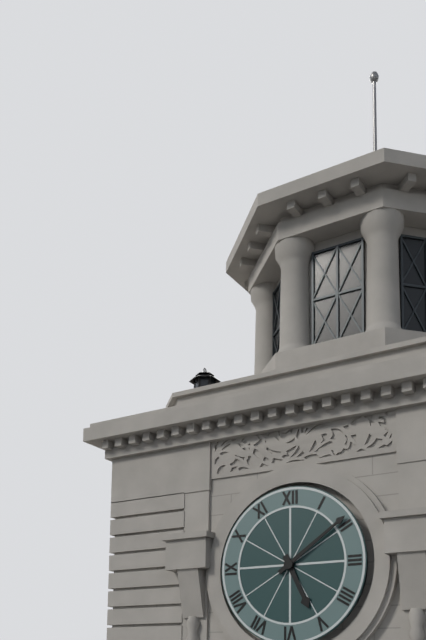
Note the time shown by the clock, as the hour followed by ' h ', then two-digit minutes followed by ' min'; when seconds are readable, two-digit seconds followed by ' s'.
5 h 09 min
